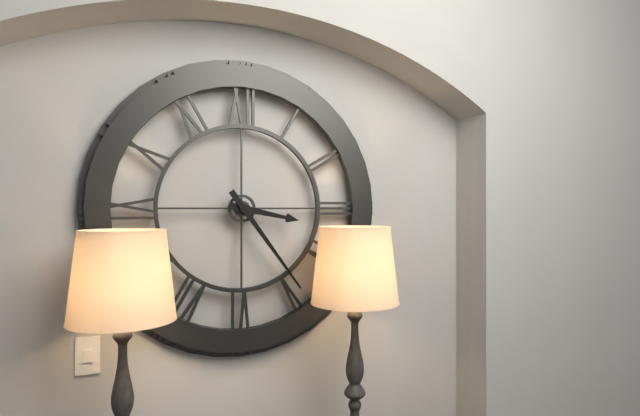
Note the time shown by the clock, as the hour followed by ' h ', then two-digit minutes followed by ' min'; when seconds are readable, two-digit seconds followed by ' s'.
3 h 24 min
